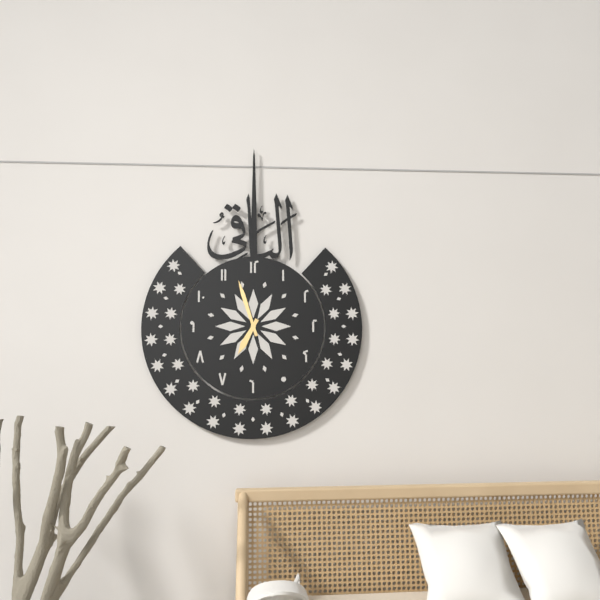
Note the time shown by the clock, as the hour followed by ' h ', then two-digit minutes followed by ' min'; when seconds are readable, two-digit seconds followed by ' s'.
6 h 57 min
